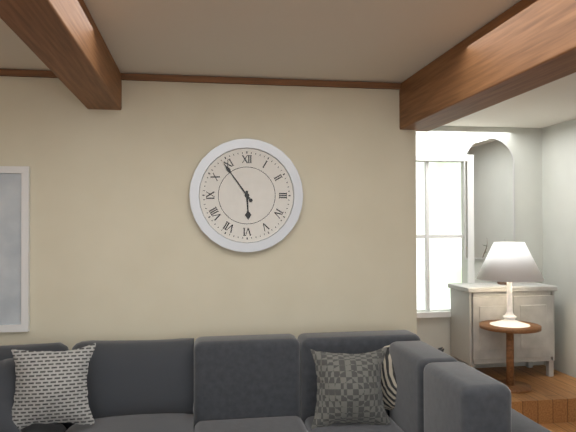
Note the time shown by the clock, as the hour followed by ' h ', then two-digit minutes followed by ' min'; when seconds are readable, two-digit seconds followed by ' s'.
5 h 54 min
